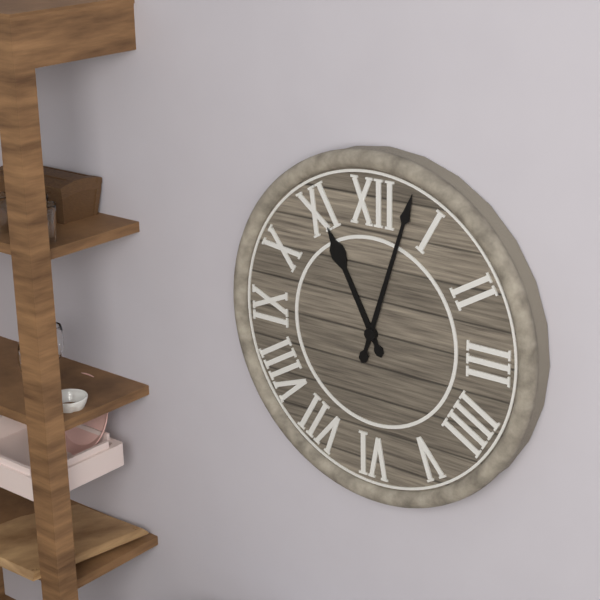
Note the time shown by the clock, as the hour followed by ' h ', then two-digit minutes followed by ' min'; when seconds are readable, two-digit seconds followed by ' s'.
11 h 03 min
